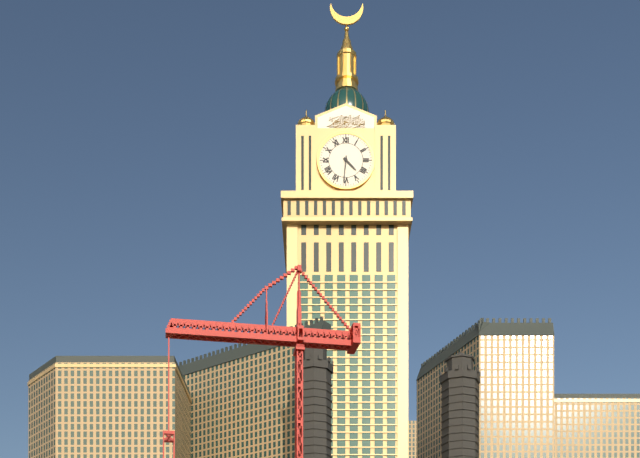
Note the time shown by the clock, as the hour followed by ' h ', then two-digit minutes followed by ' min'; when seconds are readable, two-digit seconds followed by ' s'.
4 h 31 min
